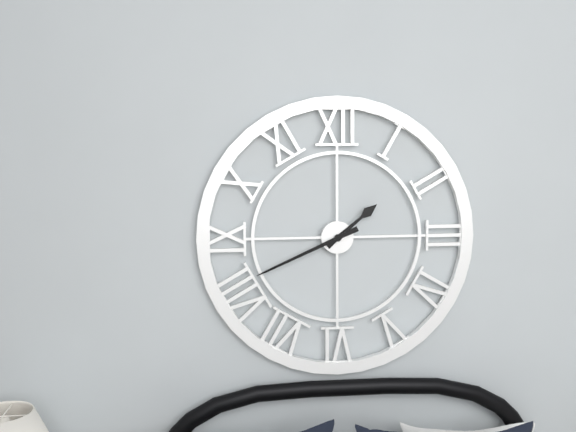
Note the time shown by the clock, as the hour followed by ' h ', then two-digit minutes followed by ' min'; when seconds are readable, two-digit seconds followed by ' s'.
1 h 41 min
